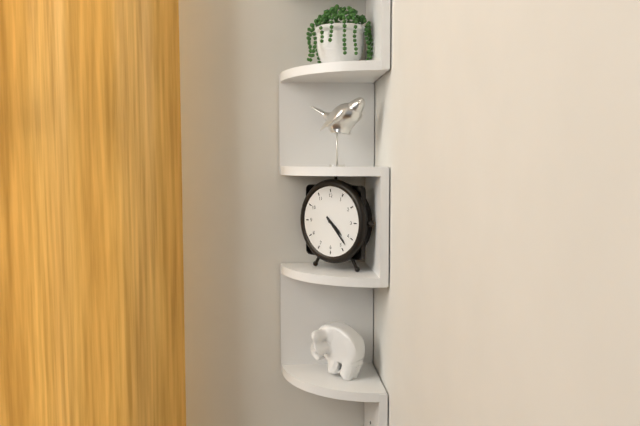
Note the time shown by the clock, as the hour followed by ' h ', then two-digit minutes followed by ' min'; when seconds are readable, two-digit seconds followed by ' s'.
4 h 23 min
